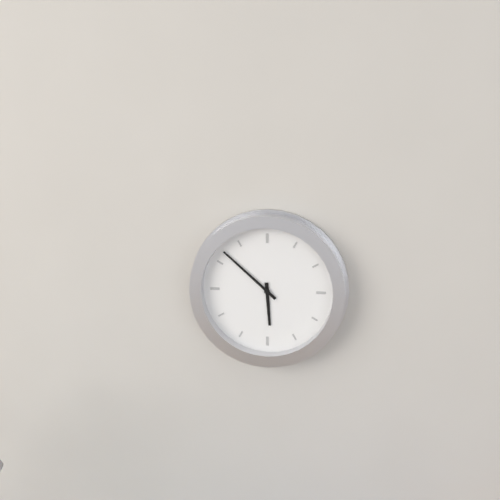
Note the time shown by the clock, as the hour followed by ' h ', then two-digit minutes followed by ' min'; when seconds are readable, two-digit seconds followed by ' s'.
5 h 52 min
